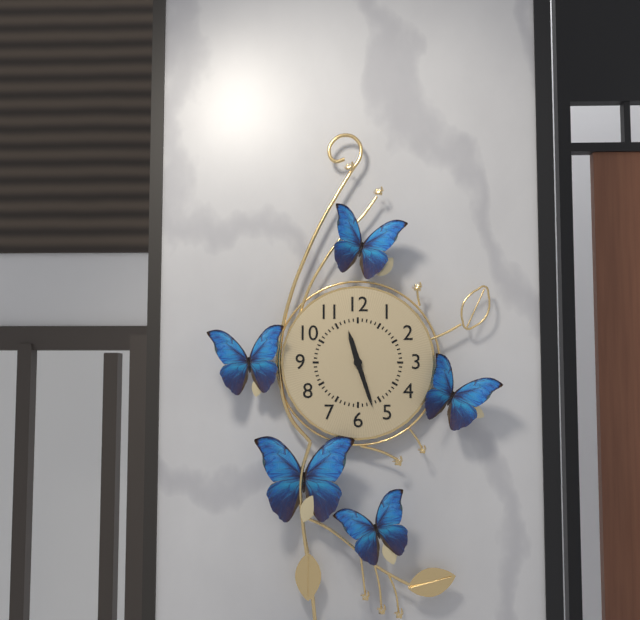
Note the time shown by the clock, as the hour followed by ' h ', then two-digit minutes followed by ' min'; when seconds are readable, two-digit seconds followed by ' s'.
11 h 27 min
